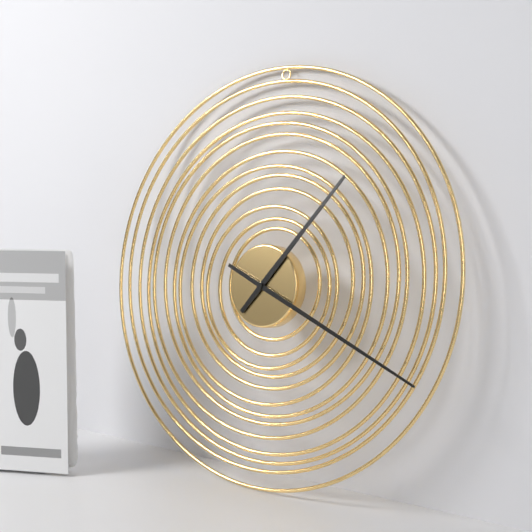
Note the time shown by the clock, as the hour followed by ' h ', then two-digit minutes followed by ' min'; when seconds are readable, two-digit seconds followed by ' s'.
1 h 19 min
